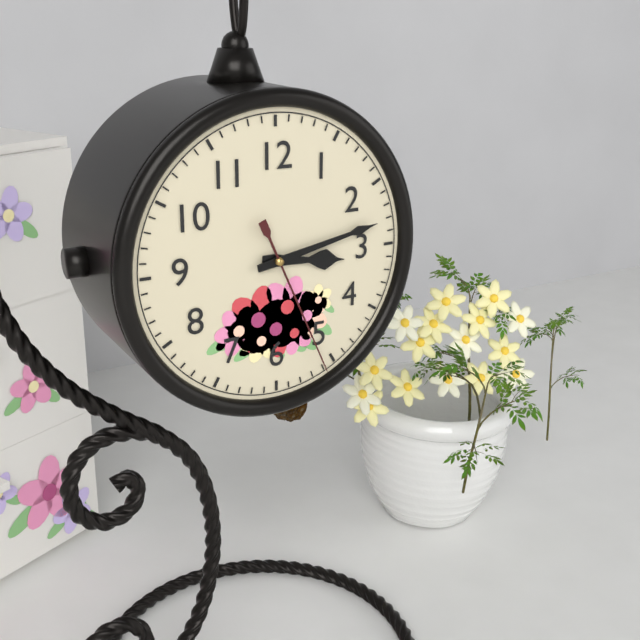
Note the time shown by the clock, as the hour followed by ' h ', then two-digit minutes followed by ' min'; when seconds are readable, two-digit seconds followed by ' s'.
3 h 13 min 26 s
